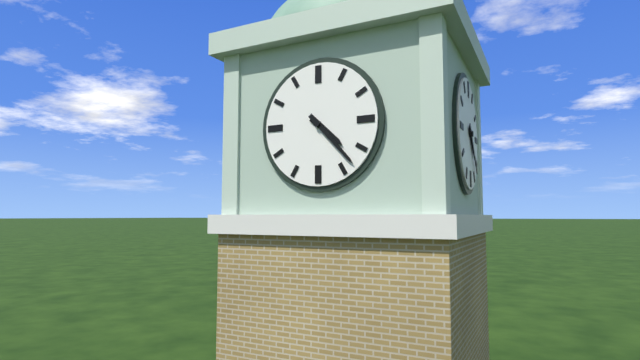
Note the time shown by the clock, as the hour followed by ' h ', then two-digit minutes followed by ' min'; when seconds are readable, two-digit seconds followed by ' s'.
4 h 23 min
